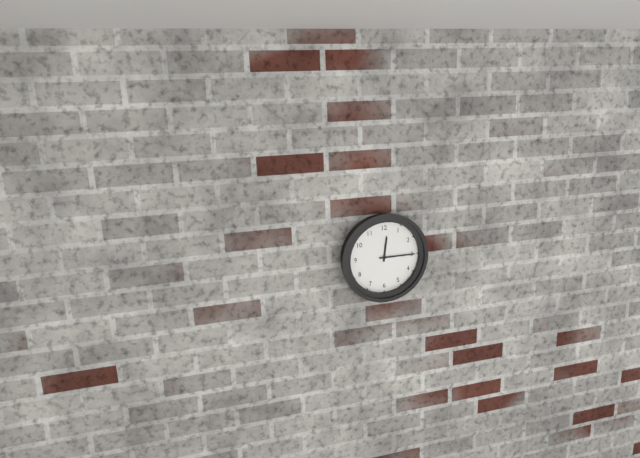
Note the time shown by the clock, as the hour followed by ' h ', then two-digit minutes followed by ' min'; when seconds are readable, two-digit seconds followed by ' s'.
12 h 15 min
